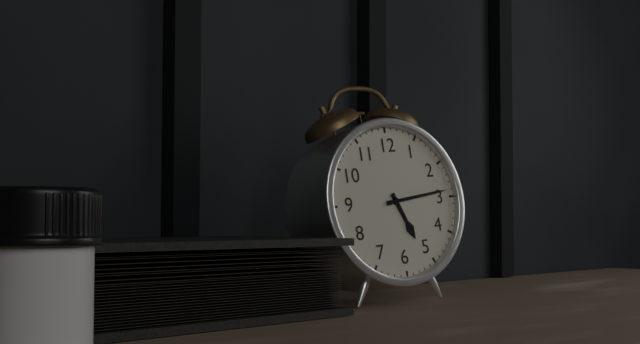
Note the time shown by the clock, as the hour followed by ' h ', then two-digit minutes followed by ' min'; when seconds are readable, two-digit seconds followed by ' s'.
5 h 14 min
